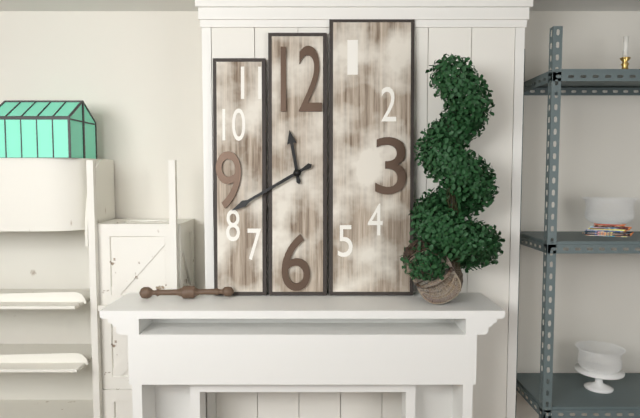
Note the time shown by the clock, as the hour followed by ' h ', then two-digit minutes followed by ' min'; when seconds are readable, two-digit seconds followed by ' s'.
11 h 40 min
